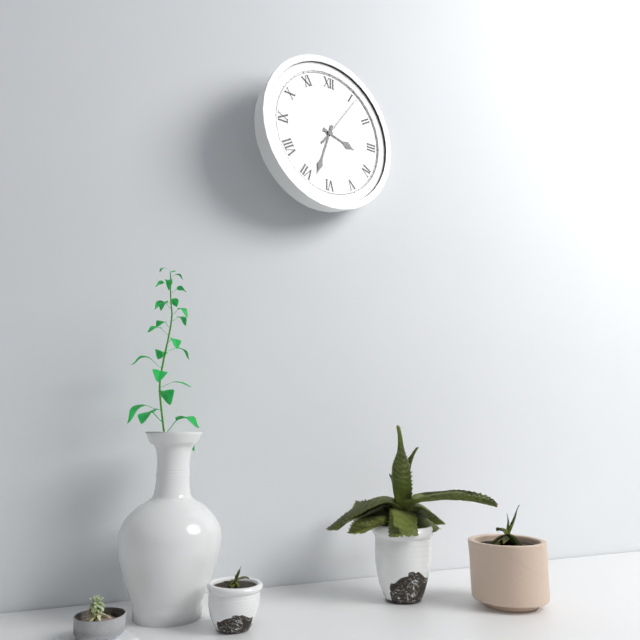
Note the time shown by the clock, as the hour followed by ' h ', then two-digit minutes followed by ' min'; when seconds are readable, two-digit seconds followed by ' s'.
3 h 33 min 06 s
